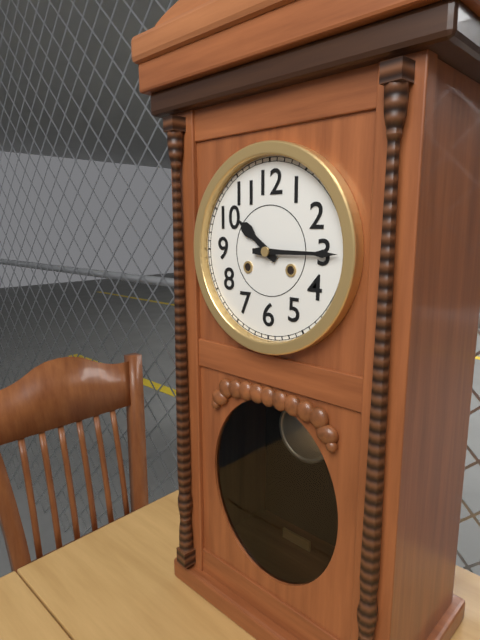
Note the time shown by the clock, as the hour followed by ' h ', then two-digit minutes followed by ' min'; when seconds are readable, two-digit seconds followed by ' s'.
10 h 15 min
